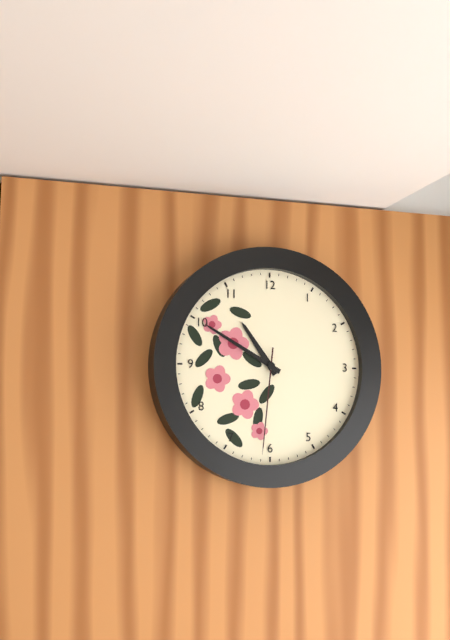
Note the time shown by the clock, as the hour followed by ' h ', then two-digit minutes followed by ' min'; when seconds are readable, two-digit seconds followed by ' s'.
10 h 50 min 31 s
